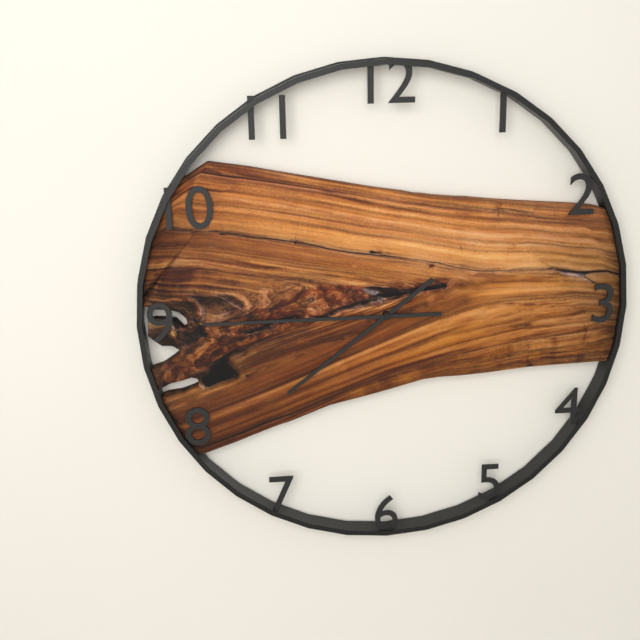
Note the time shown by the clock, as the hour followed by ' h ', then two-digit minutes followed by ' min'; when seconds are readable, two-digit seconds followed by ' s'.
7 h 45 min
